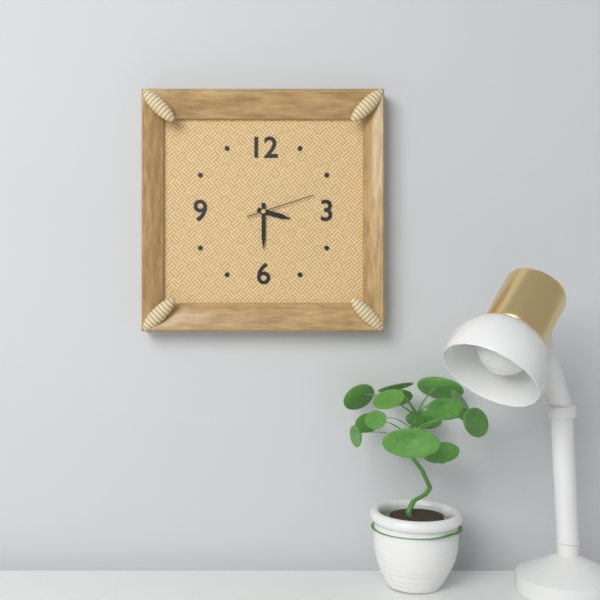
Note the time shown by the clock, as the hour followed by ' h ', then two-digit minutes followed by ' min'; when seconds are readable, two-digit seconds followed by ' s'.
3 h 30 min 12 s
